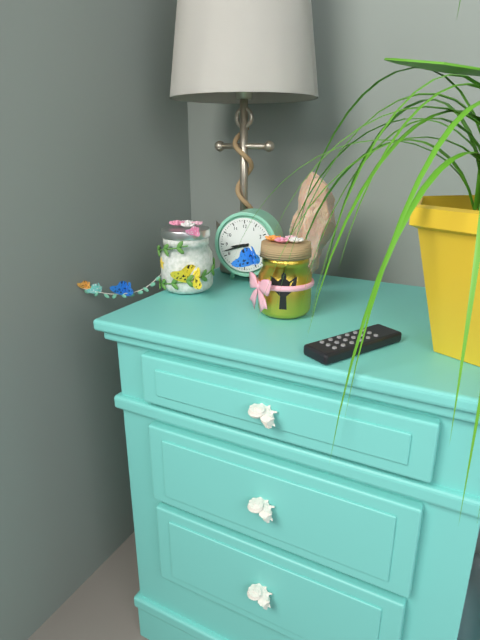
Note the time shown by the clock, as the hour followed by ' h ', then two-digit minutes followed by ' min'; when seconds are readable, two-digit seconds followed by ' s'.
8 h 42 min
